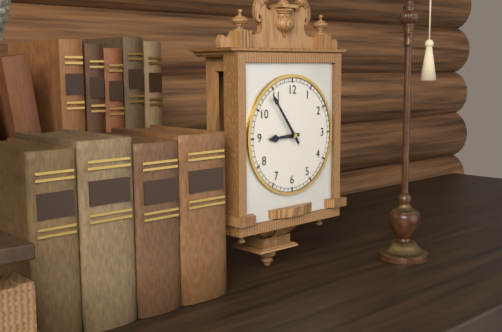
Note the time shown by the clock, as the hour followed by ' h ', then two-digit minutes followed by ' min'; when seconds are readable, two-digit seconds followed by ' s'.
8 h 54 min
